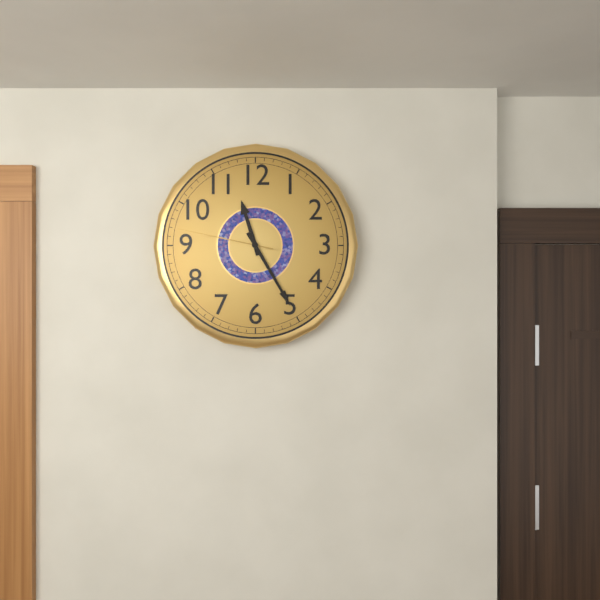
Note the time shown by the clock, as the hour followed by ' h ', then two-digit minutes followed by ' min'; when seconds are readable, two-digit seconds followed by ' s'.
11 h 25 min 47 s
